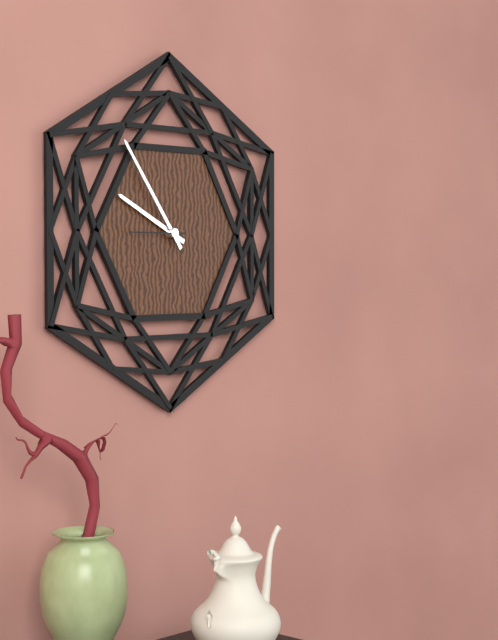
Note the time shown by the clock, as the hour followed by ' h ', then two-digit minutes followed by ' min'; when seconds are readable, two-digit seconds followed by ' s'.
9 h 54 min 45 s
